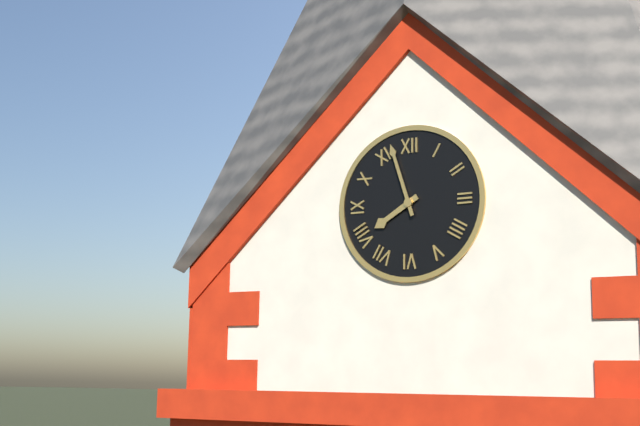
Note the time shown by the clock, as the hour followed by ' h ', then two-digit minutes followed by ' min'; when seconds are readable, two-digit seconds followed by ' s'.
7 h 57 min
